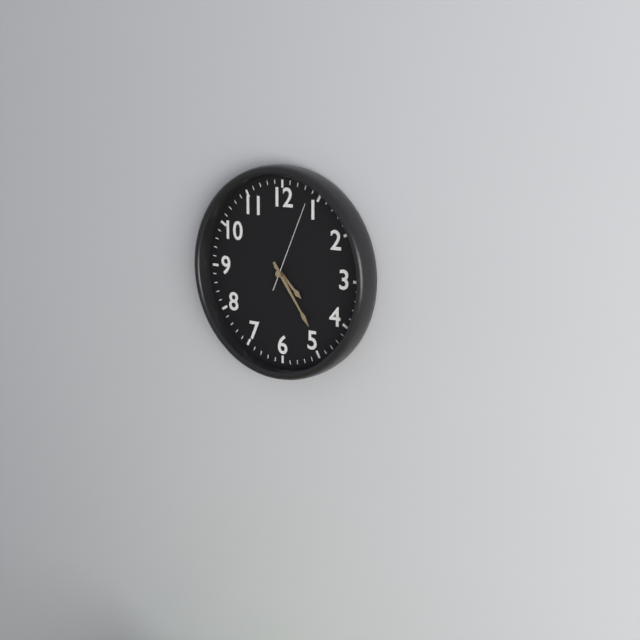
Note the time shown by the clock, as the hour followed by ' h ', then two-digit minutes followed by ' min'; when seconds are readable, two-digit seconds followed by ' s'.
4 h 24 min 04 s
